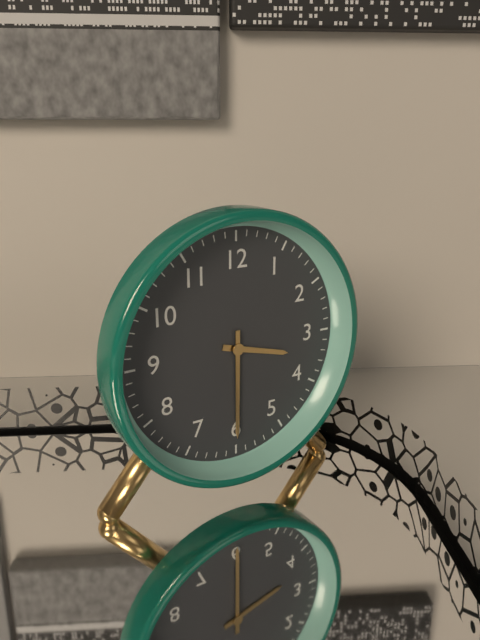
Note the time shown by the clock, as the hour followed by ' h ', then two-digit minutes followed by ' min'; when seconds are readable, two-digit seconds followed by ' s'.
3 h 30 min
